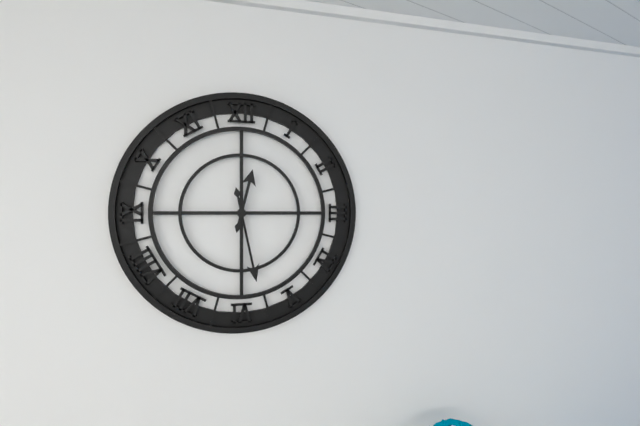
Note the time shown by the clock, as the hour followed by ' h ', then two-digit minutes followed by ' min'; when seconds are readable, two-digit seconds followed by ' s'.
12 h 28 min
